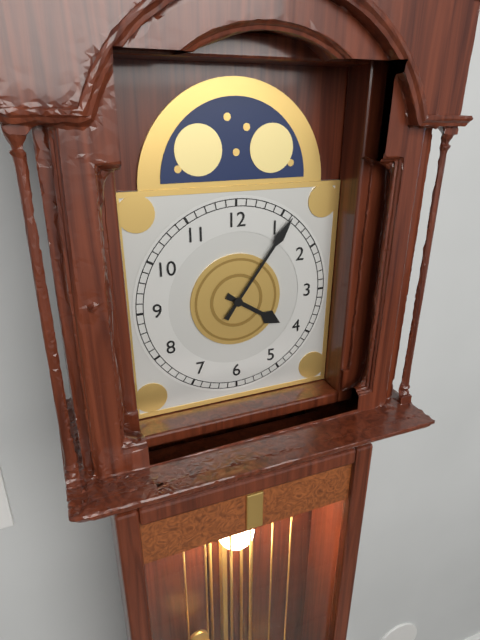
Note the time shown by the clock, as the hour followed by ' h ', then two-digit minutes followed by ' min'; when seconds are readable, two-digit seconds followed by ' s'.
4 h 06 min
